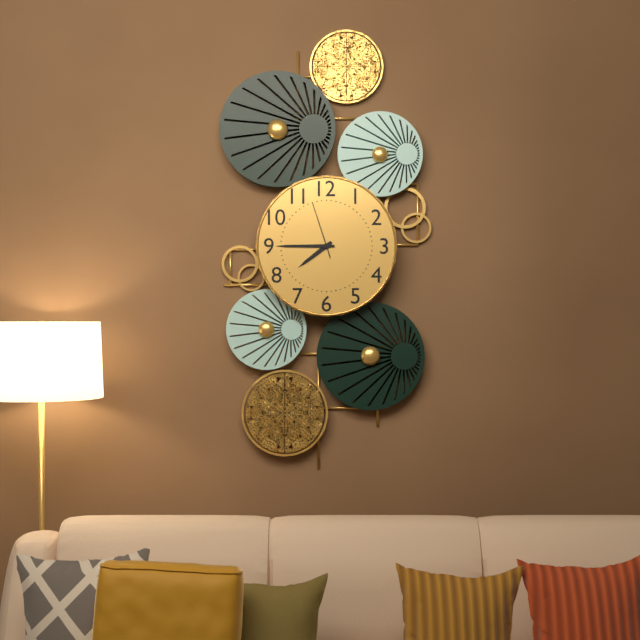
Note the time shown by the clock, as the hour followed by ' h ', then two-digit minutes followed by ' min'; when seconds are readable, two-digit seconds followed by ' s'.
7 h 45 min 57 s
